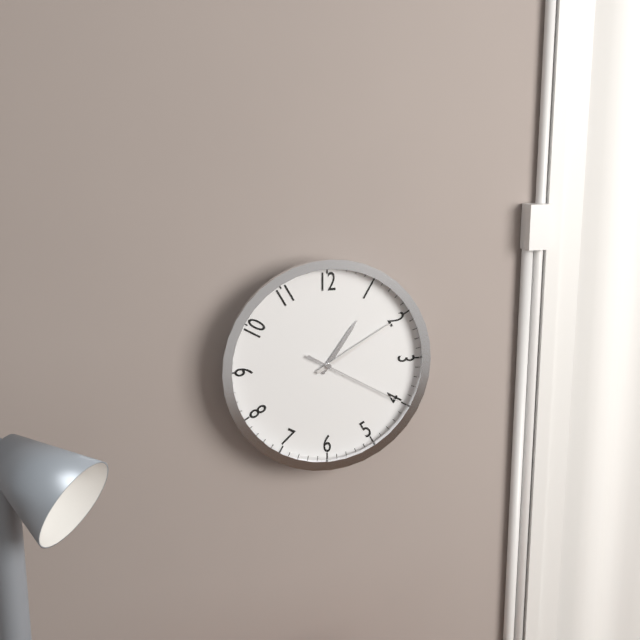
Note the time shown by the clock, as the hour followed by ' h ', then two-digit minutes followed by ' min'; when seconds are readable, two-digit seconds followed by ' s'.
1 h 10 min 20 s
